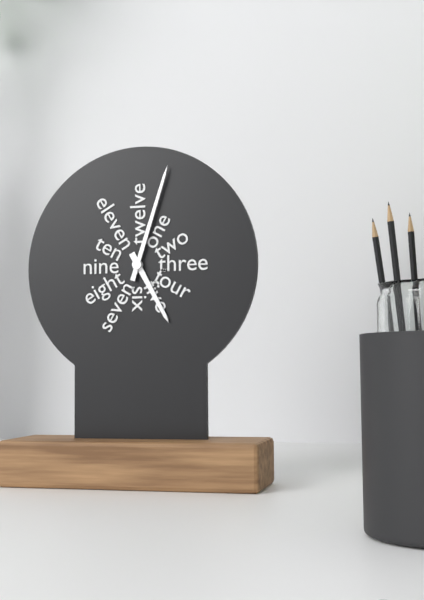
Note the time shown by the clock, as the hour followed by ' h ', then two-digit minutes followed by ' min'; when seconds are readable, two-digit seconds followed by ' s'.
5 h 03 min
